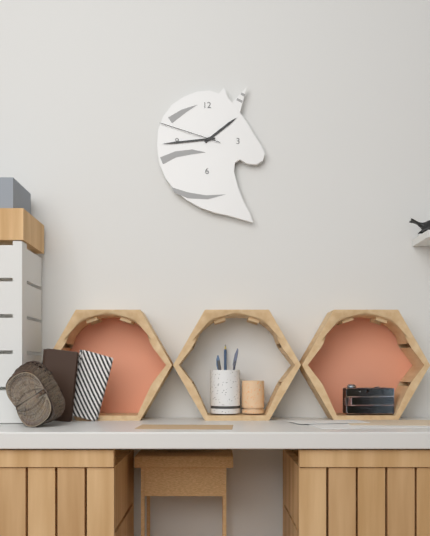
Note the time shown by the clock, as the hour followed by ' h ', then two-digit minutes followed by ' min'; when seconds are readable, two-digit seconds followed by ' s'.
1 h 44 min 48 s
